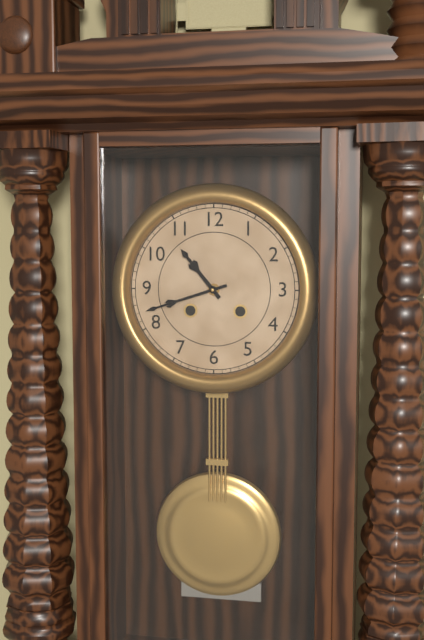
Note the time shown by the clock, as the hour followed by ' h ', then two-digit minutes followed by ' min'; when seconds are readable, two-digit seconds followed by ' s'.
10 h 42 min
